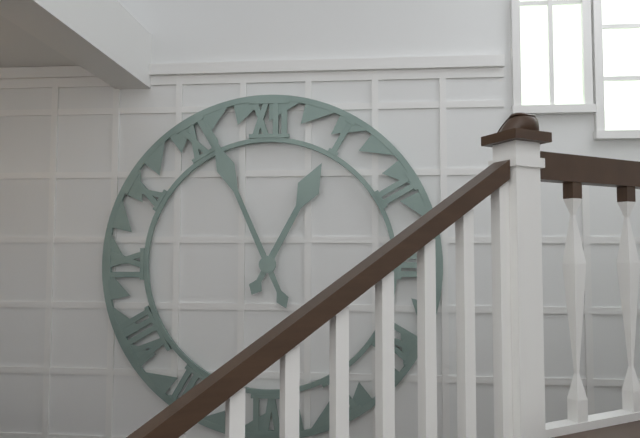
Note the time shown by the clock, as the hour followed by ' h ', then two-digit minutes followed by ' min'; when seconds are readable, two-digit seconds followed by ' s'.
12 h 56 min
